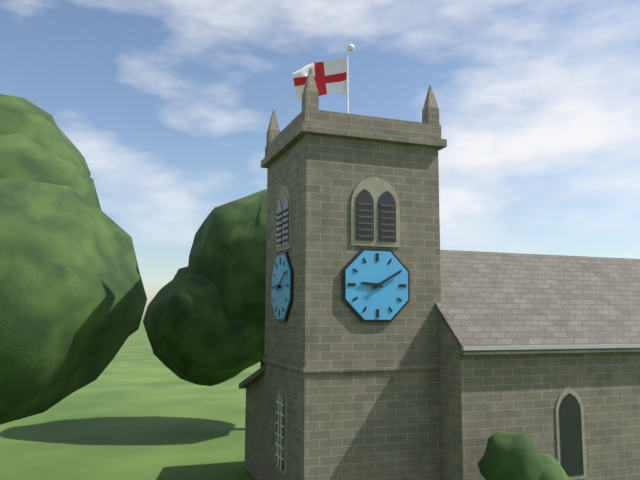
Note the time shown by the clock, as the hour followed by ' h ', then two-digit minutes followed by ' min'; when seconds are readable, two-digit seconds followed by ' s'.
9 h 10 min
